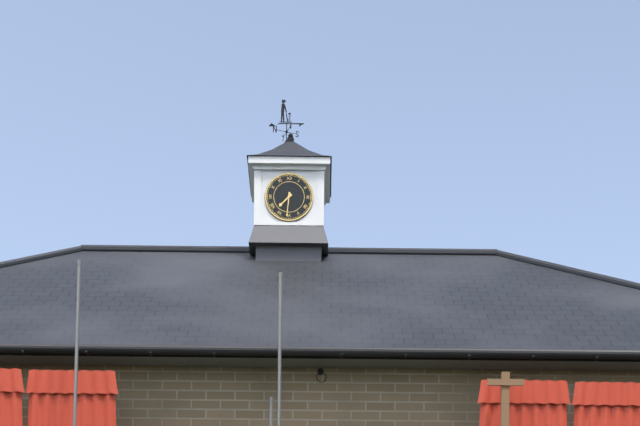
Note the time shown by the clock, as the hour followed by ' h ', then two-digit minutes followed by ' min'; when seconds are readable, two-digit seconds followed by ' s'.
7 h 31 min
